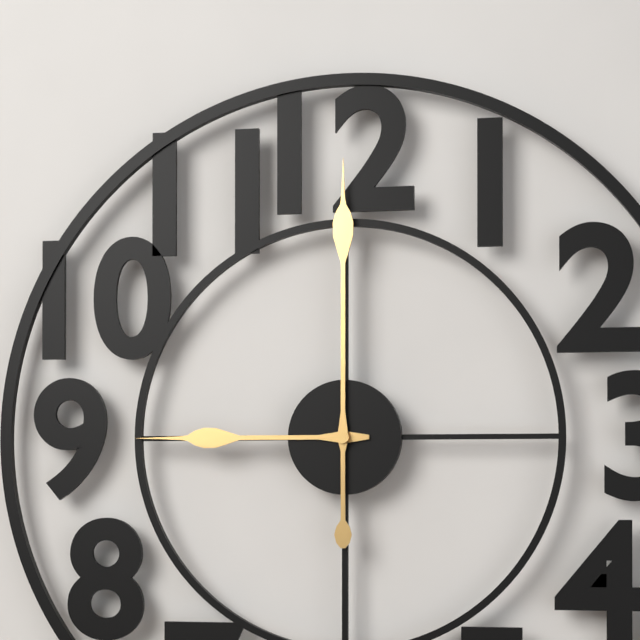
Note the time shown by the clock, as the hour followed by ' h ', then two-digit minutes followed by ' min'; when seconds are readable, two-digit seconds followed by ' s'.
9 h 00 min
